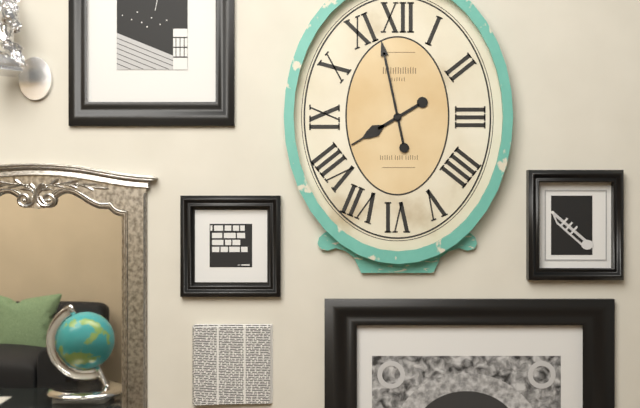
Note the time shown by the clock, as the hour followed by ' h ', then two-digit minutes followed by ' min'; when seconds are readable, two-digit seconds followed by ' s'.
7 h 58 min
